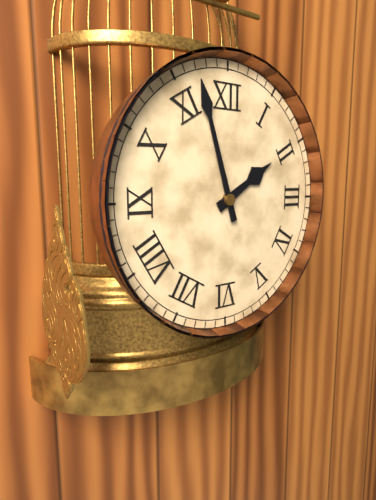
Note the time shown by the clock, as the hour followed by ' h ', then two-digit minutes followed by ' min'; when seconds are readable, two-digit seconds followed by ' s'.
1 h 57 min
